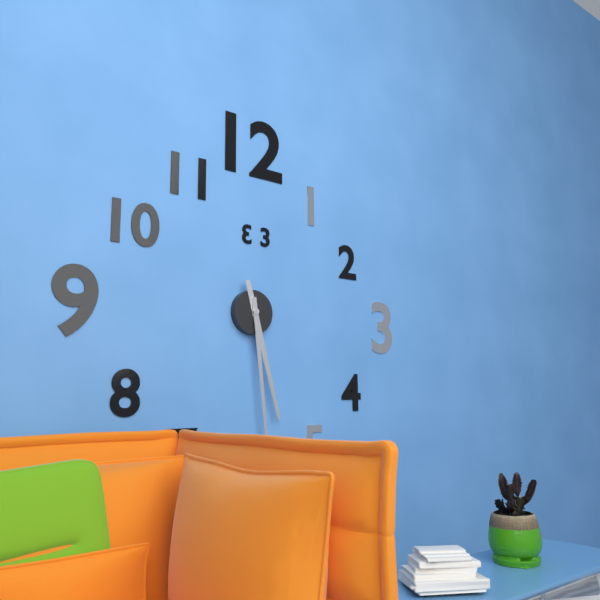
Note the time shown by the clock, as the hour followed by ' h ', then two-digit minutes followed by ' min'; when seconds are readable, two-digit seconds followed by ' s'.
5 h 29 min
